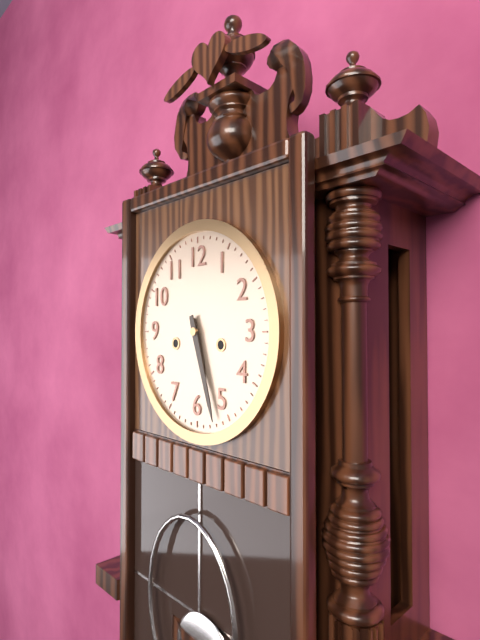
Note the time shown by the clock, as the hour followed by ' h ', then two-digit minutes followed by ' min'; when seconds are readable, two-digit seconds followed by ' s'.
5 h 27 min
